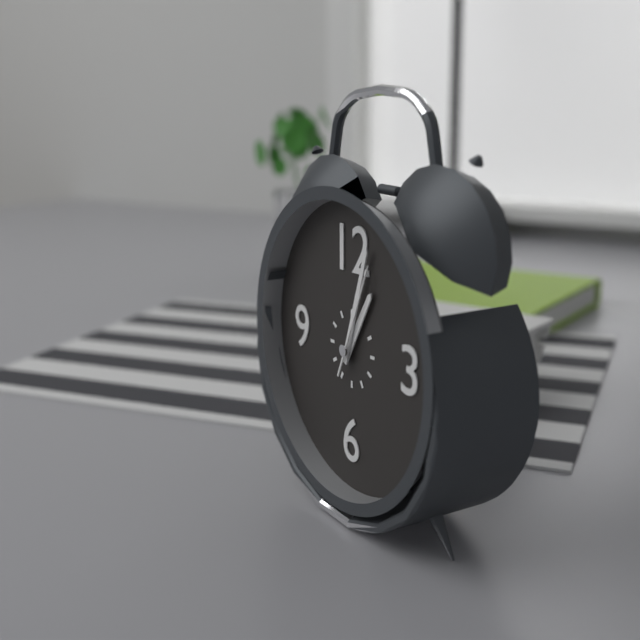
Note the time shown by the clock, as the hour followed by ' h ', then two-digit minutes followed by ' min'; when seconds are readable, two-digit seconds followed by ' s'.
1 h 03 min 04 s
